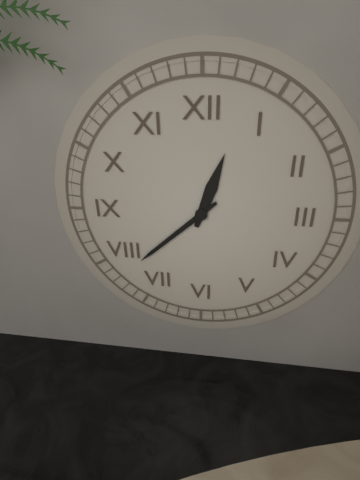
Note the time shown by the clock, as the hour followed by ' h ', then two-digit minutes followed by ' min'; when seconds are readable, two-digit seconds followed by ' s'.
12 h 38 min
